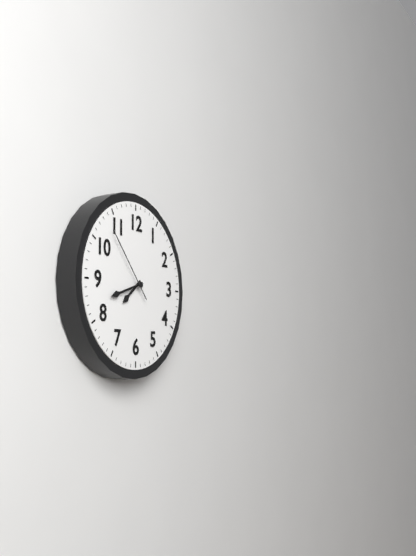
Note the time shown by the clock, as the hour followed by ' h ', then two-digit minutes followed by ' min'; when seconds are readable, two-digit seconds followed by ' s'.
7 h 42 min 53 s
